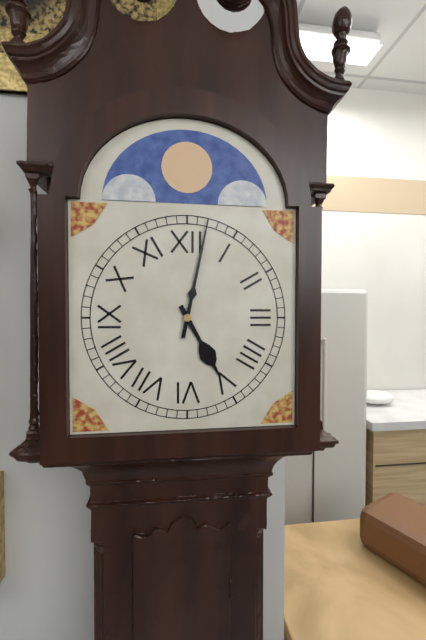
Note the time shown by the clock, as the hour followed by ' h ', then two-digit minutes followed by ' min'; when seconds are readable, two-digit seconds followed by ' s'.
5 h 02 min
